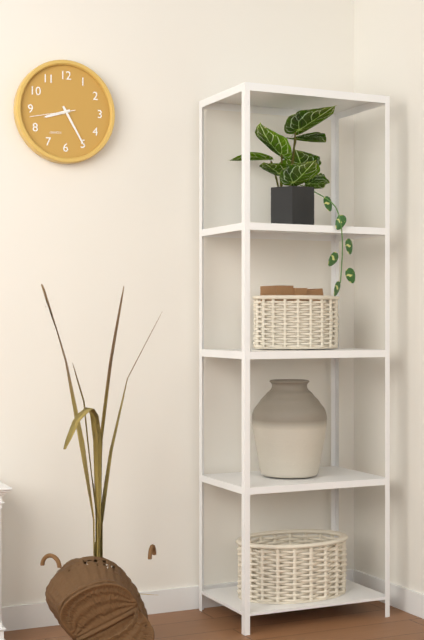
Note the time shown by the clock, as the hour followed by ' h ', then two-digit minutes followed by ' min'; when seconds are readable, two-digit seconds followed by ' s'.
8 h 25 min
